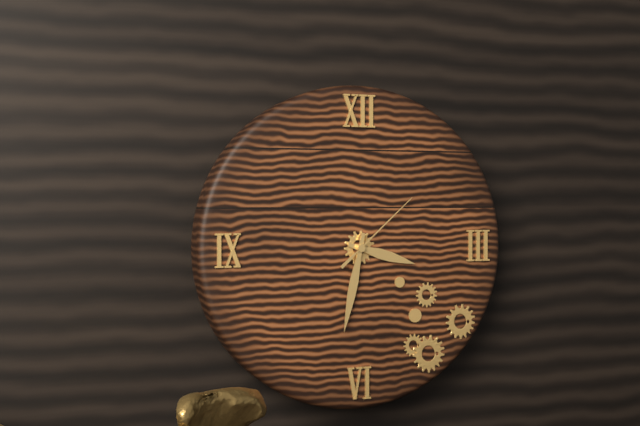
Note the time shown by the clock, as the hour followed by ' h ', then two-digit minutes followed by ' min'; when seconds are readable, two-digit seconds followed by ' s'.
3 h 32 min 08 s
